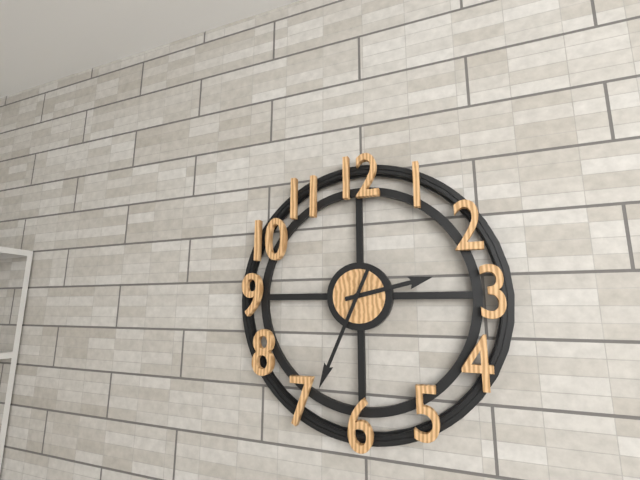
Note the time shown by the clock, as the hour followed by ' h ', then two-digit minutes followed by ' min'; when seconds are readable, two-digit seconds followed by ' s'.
2 h 34 min
